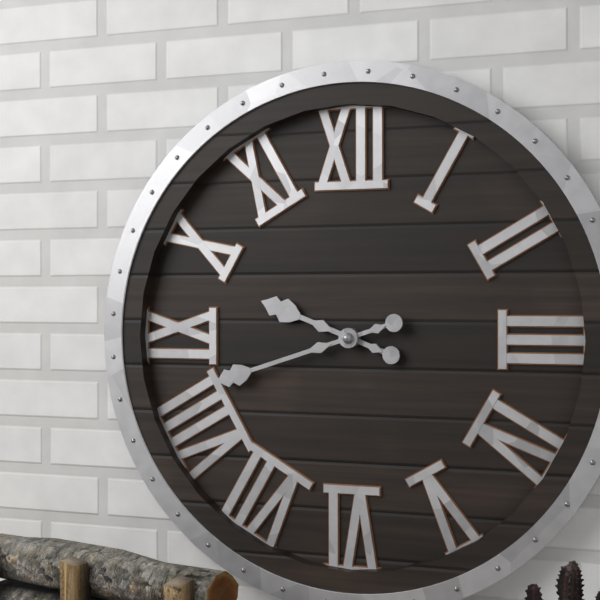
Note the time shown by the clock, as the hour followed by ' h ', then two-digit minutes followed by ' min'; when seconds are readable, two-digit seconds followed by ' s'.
9 h 42 min
